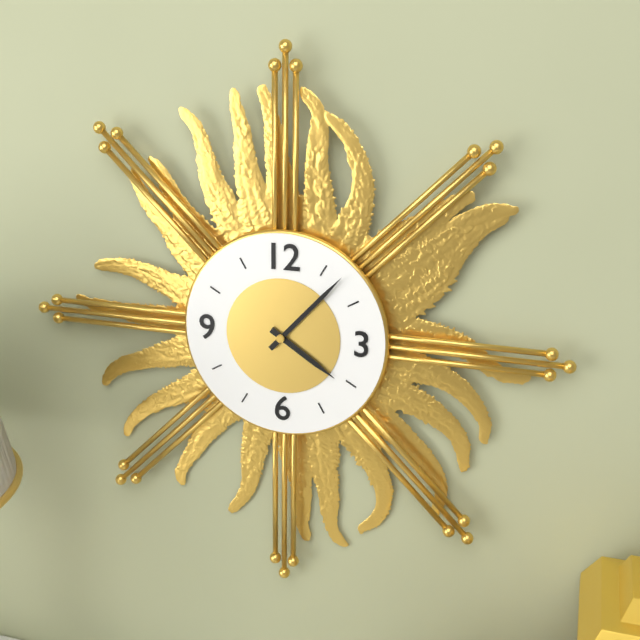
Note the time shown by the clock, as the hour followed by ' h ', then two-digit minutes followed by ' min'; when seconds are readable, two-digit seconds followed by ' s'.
4 h 07 min
